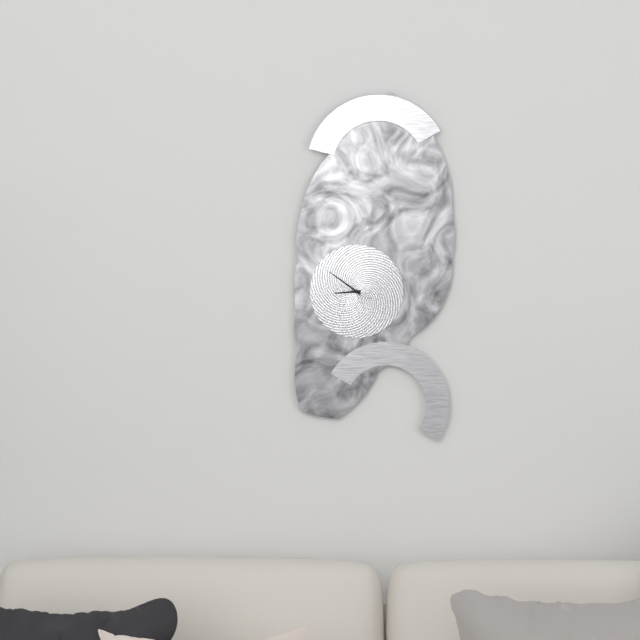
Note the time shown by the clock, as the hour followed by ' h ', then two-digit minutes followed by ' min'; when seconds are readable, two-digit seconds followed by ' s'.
8 h 51 min
